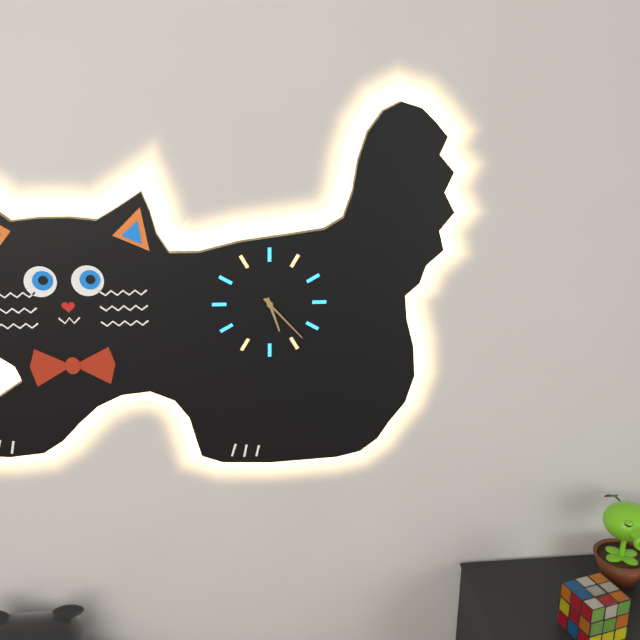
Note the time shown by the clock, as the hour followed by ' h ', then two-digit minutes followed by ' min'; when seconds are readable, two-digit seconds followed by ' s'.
5 h 23 min
